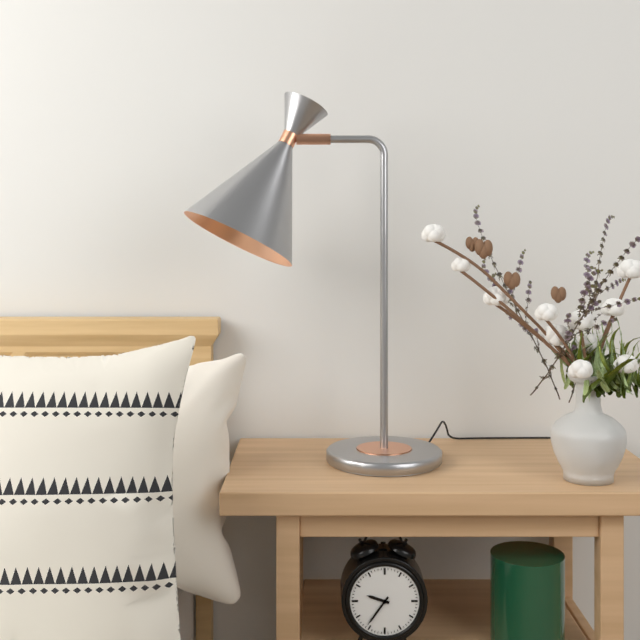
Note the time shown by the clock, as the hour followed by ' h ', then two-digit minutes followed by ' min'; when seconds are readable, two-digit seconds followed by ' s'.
9 h 36 min
